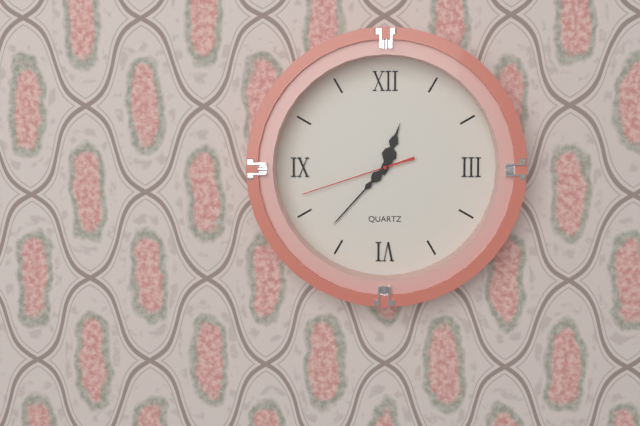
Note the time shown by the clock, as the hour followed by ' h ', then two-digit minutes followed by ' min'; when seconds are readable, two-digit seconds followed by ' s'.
12 h 37 min 42 s
